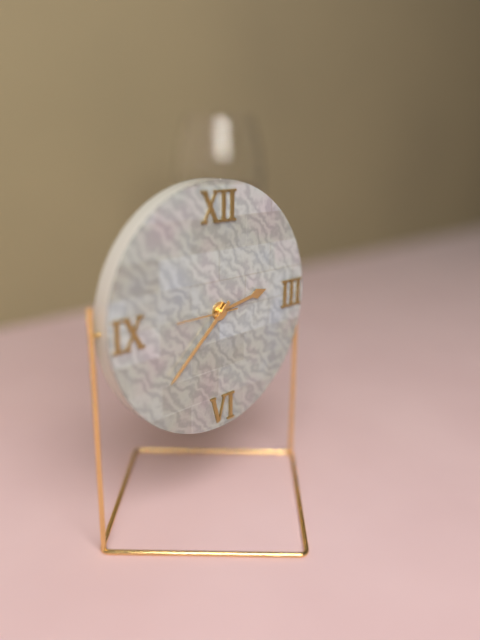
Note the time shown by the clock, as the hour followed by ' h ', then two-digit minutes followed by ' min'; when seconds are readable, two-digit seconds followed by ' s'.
2 h 38 min
